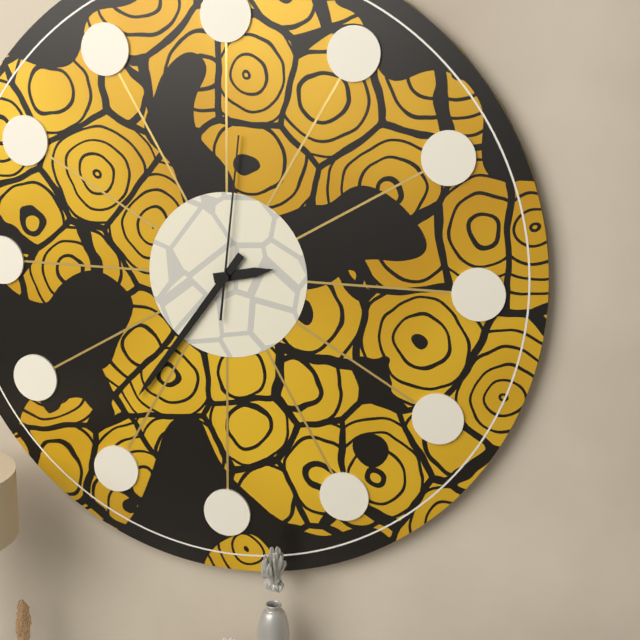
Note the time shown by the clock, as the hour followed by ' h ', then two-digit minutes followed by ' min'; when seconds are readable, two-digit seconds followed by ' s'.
2 h 36 min 01 s
